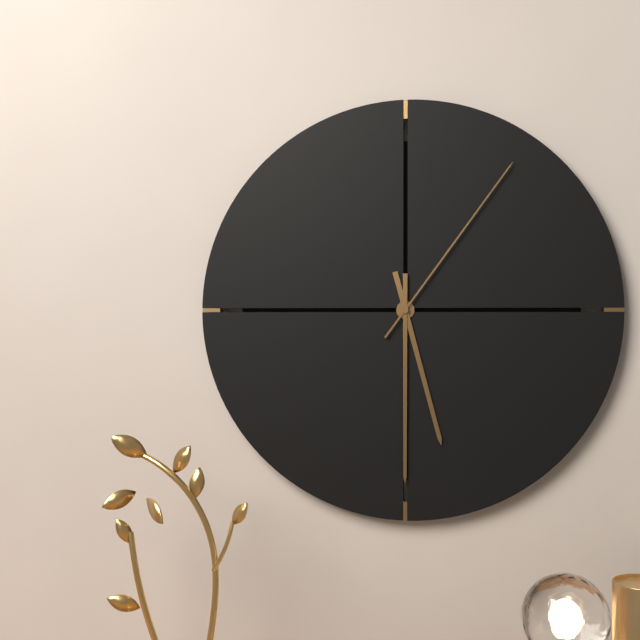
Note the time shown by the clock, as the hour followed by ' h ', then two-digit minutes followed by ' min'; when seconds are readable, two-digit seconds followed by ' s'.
5 h 30 min 06 s
